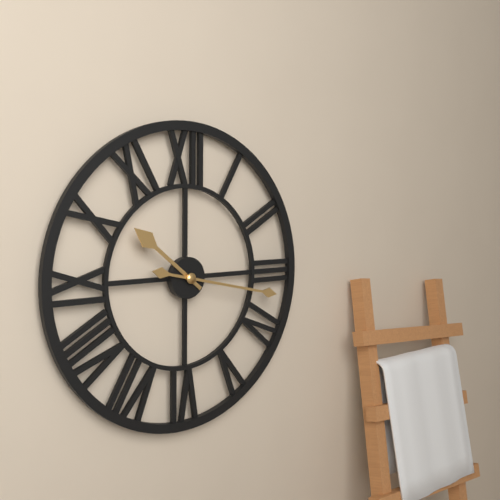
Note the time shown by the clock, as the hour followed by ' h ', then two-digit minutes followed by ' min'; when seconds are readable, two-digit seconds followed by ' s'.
10 h 17 min
